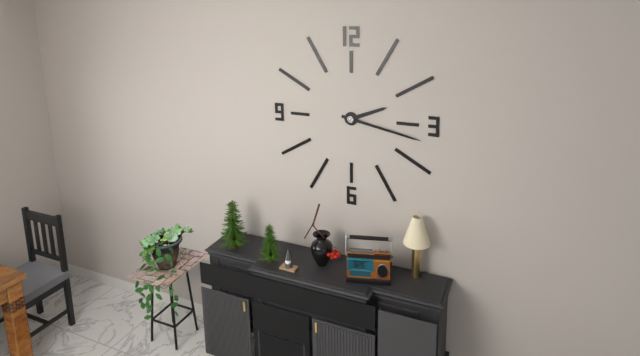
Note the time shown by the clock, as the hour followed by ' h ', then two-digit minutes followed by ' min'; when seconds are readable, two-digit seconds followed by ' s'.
2 h 17 min
